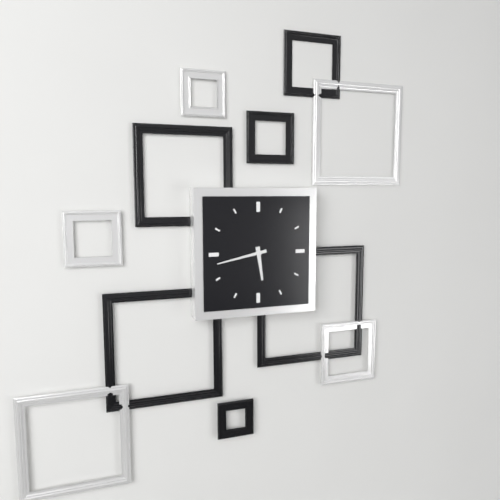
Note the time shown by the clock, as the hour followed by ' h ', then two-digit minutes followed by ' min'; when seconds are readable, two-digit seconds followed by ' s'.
5 h 43 min
